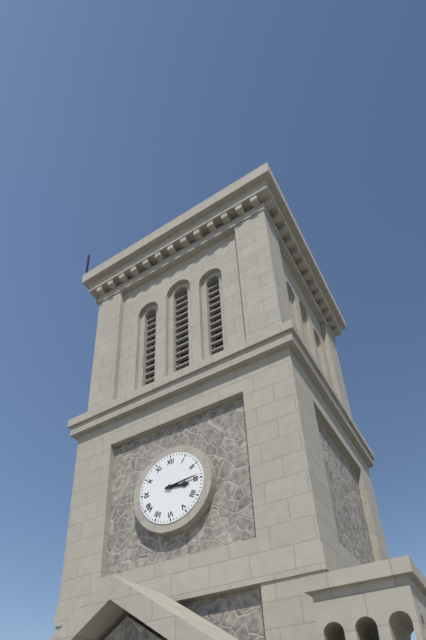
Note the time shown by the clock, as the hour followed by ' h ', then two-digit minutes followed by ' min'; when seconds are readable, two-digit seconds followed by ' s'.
3 h 14 min
